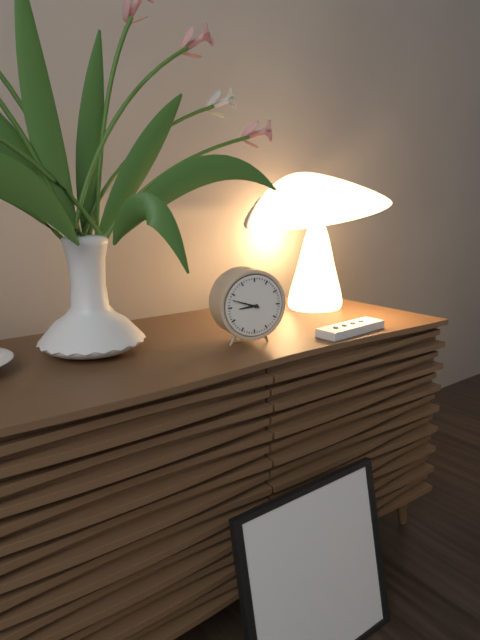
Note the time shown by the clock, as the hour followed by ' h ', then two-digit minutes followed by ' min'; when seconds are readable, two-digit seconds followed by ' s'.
8 h 48 min
